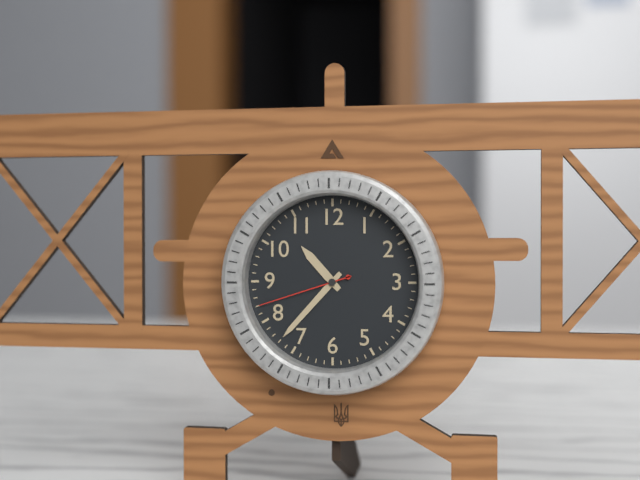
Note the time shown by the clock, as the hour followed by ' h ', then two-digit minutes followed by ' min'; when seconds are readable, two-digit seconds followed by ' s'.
10 h 37 min 42 s
